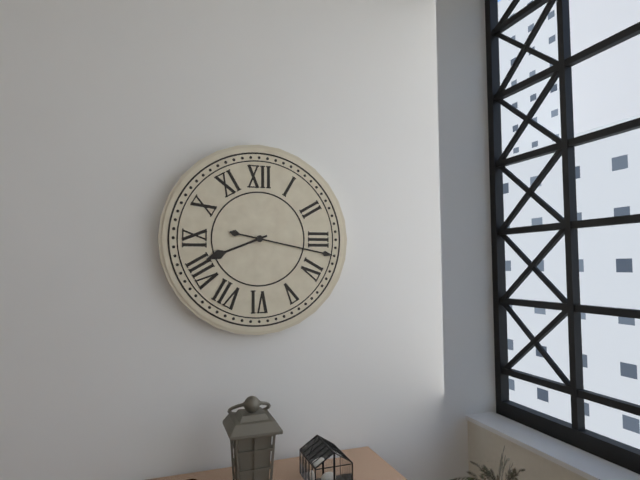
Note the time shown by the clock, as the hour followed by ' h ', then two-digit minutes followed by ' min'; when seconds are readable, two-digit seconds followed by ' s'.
8 h 17 min
